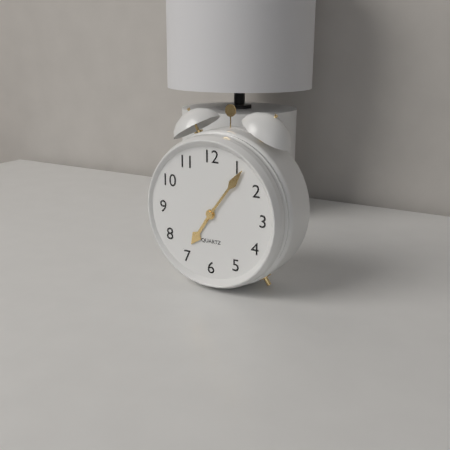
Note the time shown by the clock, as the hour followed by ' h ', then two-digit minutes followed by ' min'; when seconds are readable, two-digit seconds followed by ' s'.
7 h 06 min
